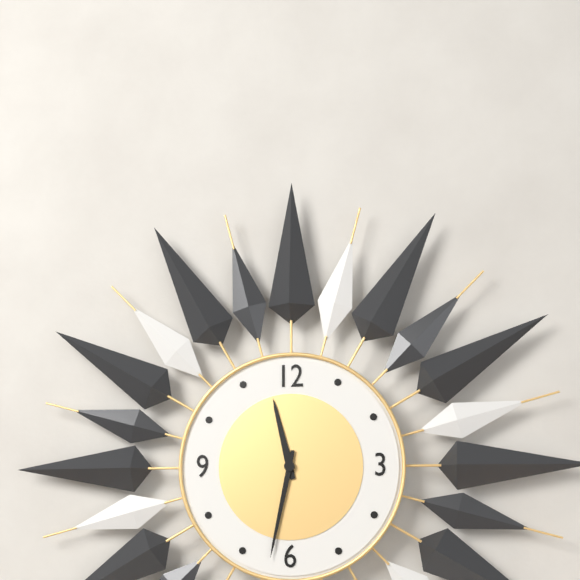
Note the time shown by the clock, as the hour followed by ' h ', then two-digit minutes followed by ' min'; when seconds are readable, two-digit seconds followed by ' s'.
11 h 32 min
